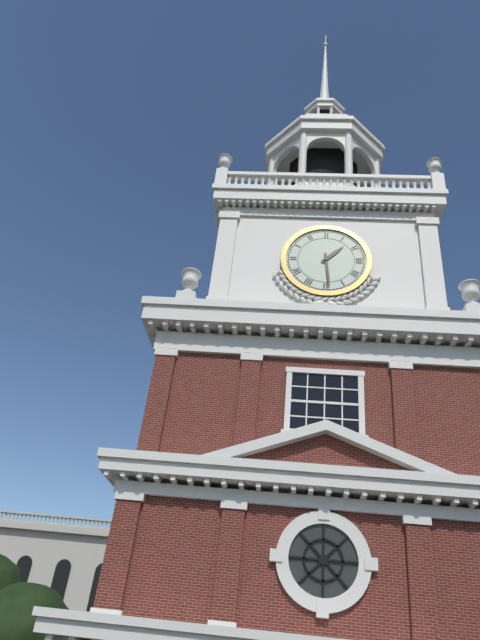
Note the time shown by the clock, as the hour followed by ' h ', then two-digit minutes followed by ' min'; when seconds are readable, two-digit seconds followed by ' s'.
1 h 29 min
